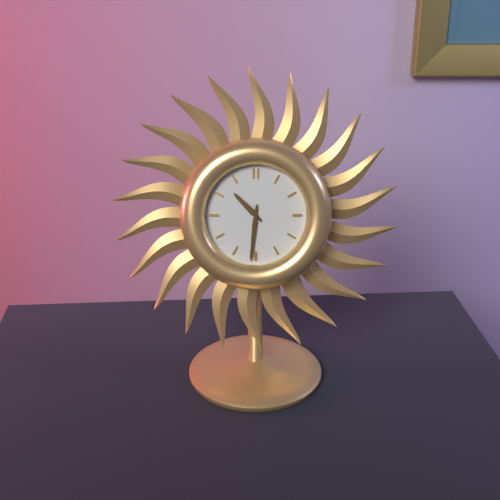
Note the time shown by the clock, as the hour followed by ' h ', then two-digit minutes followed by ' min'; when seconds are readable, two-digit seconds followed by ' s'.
10 h 31 min
